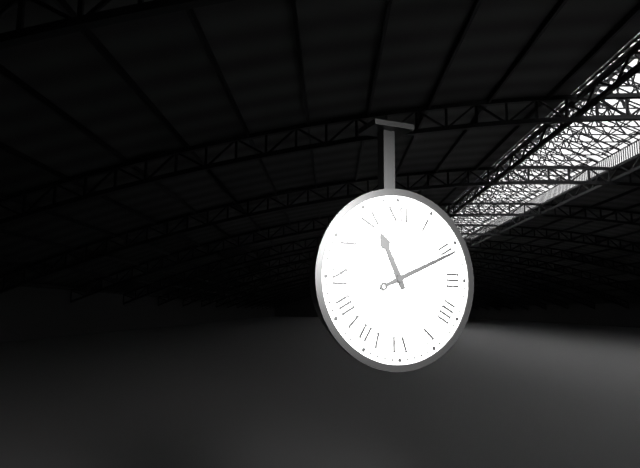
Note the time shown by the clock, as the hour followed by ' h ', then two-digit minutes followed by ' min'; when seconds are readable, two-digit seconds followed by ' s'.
11 h 11 min
